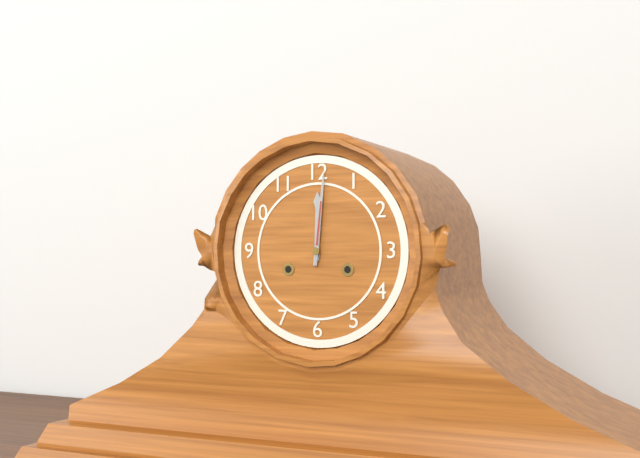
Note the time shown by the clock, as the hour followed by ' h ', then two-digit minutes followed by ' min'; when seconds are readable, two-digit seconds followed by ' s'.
12 h 01 min
